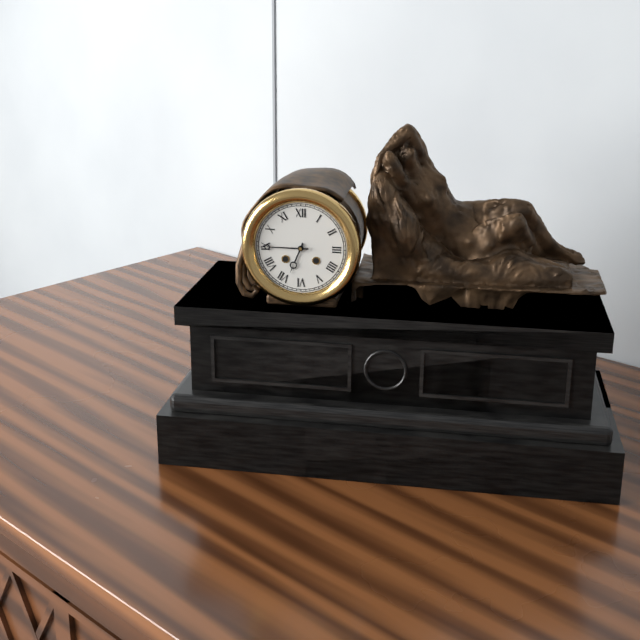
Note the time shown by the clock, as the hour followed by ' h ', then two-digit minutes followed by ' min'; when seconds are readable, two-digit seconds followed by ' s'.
6 h 45 min
